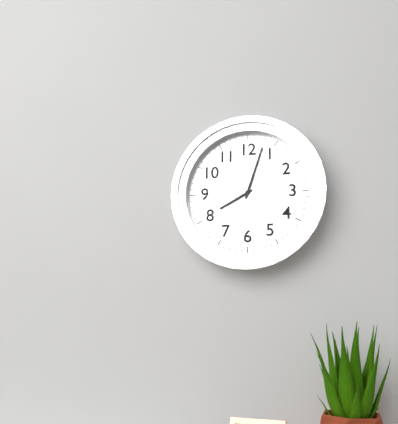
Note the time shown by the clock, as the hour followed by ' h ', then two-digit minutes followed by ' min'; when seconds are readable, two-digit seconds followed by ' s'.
8 h 03 min
